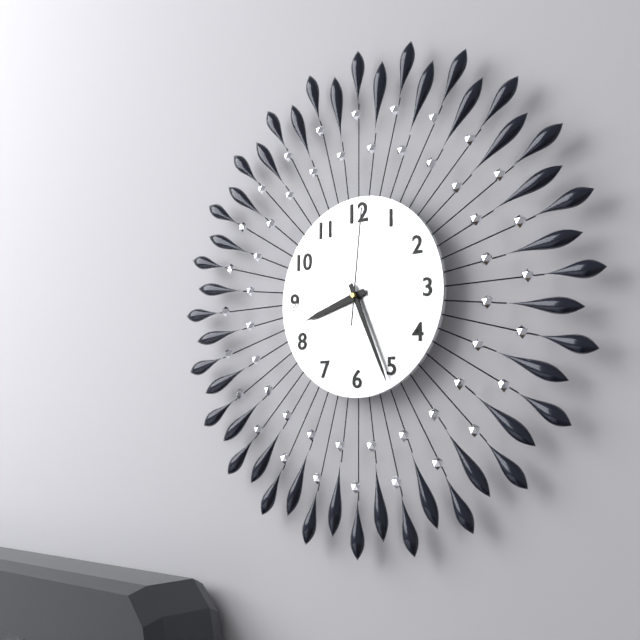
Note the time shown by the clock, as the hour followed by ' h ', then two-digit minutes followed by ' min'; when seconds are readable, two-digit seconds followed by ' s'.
8 h 26 min 01 s
